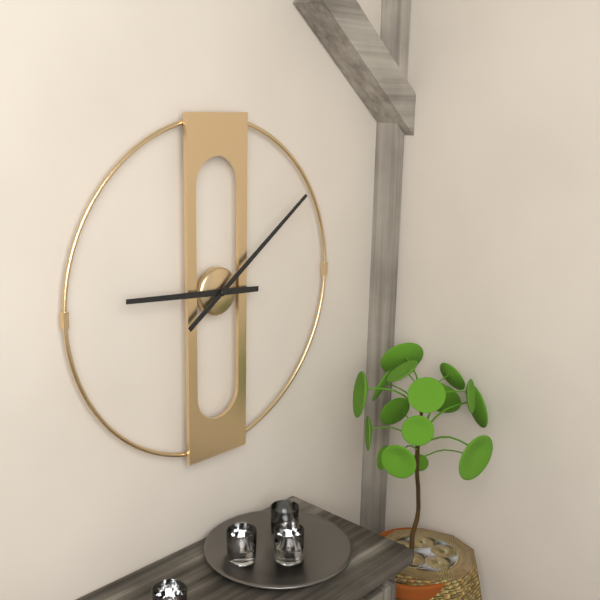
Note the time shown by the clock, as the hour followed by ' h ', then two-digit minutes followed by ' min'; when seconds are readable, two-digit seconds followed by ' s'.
9 h 09 min
